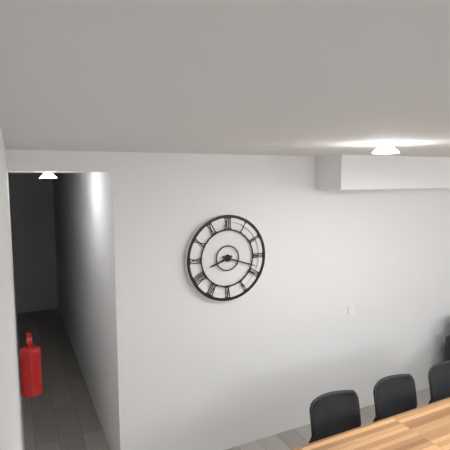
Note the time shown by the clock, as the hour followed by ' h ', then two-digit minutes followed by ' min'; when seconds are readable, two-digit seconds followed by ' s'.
8 h 18 min
